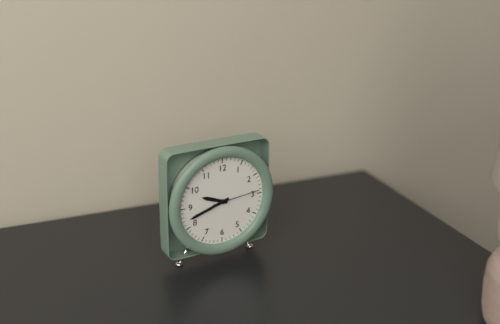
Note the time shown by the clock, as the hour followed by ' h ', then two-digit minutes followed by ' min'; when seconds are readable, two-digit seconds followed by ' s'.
9 h 42 min 14 s
